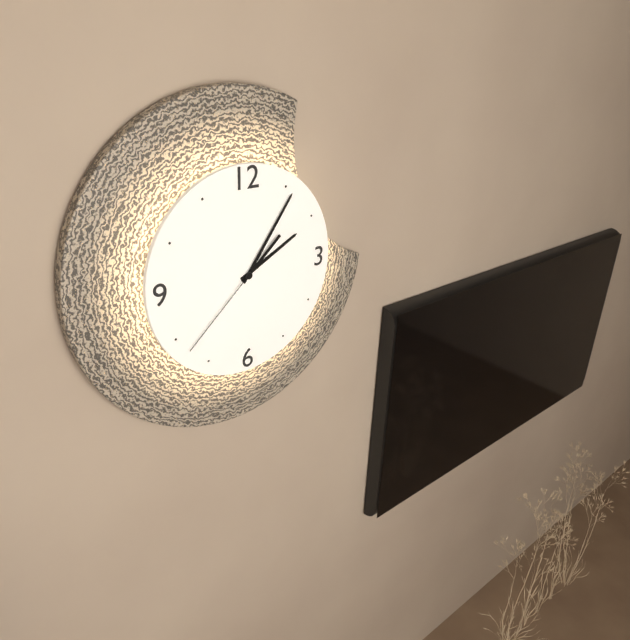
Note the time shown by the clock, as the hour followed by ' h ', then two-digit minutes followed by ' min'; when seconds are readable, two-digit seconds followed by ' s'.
2 h 06 min 38 s
